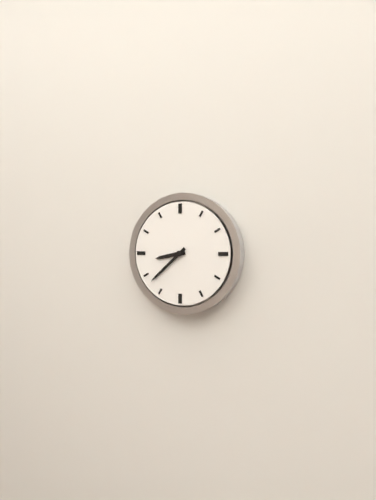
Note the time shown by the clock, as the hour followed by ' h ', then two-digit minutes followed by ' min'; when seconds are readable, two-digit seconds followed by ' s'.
8 h 38 min
